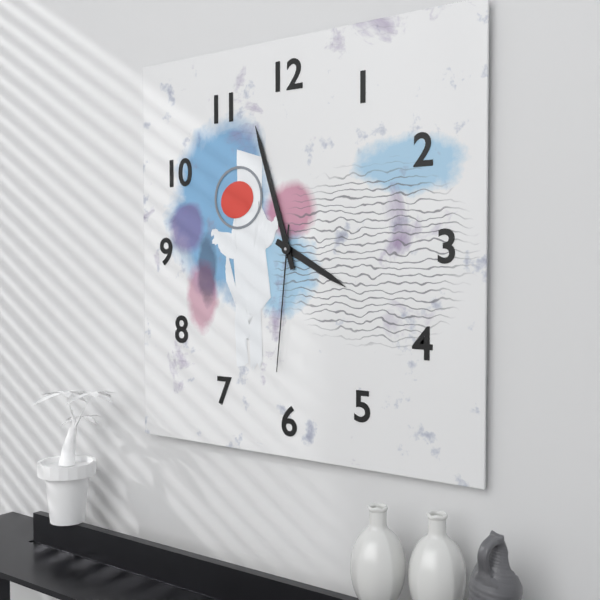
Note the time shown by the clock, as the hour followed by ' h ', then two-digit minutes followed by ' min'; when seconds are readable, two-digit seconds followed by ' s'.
3 h 57 min 31 s
